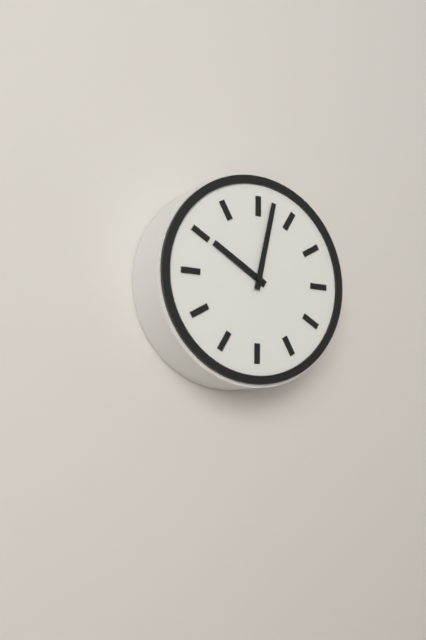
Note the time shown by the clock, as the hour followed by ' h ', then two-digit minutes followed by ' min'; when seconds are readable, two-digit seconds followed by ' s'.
10 h 02 min
